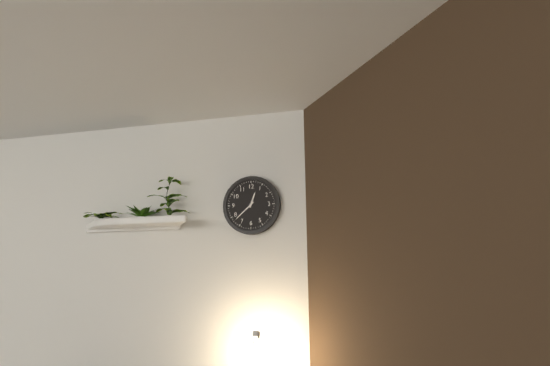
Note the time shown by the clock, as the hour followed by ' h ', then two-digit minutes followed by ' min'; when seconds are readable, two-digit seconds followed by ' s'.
12 h 38 min
